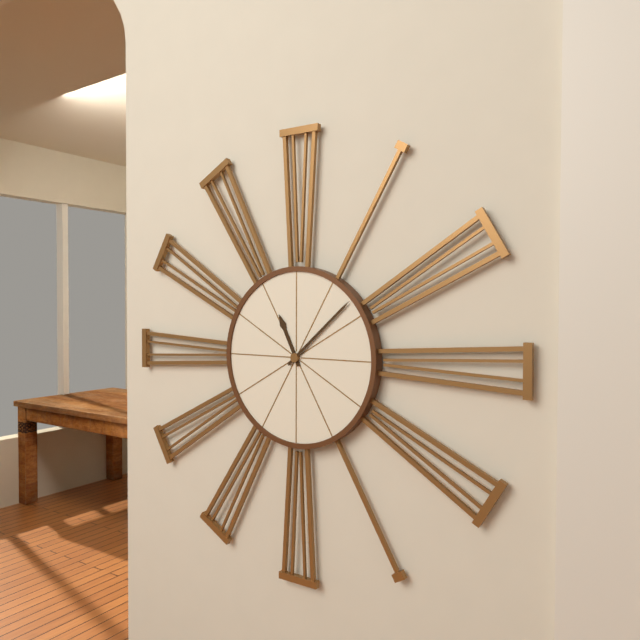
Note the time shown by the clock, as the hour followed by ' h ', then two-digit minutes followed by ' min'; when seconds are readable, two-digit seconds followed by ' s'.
11 h 08 min
